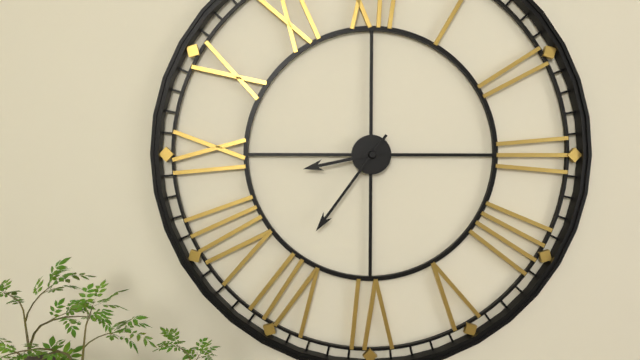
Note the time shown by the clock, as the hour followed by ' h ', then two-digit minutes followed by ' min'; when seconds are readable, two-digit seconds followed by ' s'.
8 h 36 min
